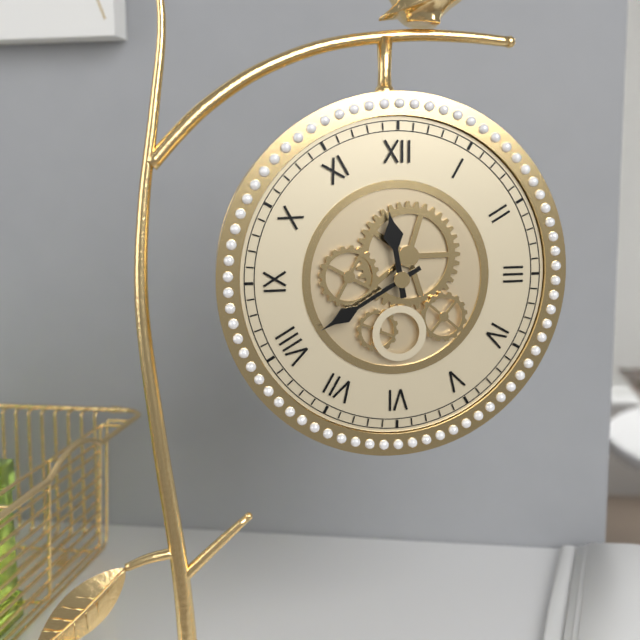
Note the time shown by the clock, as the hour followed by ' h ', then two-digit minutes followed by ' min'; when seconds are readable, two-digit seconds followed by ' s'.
11 h 40 min
